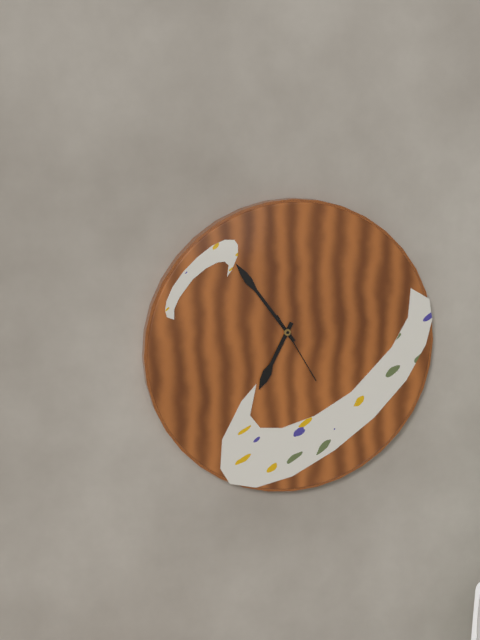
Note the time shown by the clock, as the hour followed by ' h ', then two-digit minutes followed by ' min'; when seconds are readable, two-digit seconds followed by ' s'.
6 h 54 min 25 s
